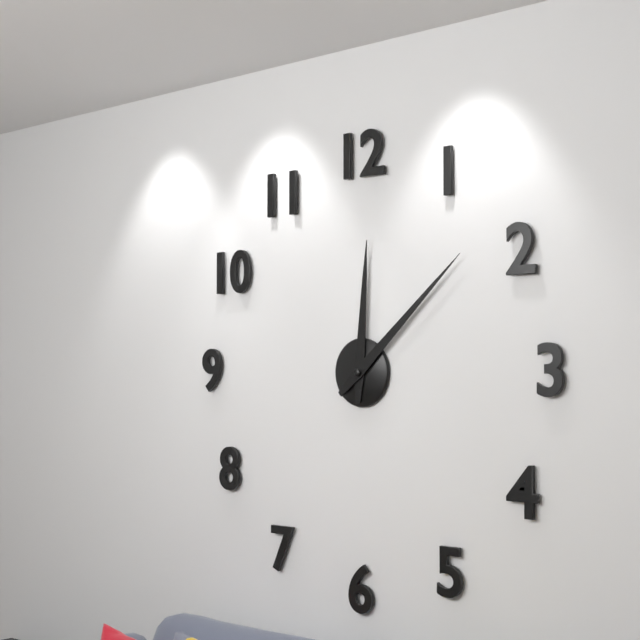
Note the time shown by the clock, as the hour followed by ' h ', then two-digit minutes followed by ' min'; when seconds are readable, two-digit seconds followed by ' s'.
12 h 08 min
